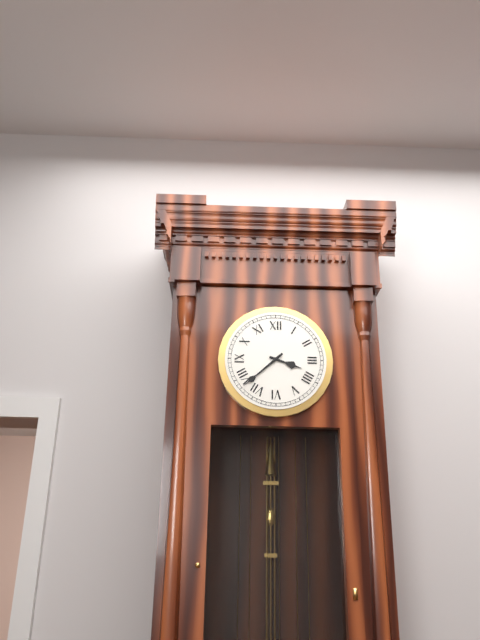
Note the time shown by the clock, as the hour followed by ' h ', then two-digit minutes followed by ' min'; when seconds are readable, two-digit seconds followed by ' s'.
3 h 38 min
